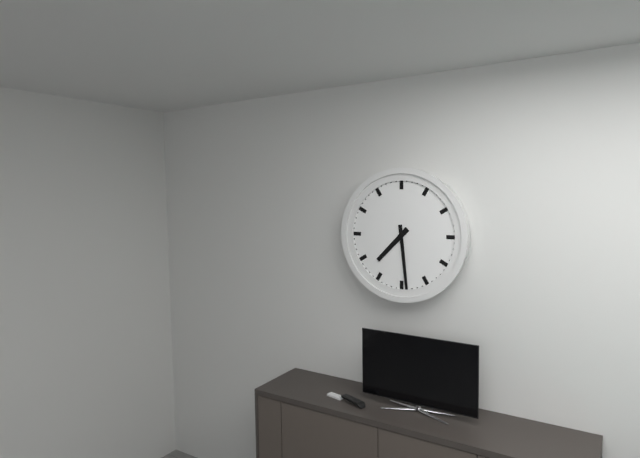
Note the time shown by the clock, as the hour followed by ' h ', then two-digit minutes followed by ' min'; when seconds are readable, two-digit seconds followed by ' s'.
7 h 29 min
